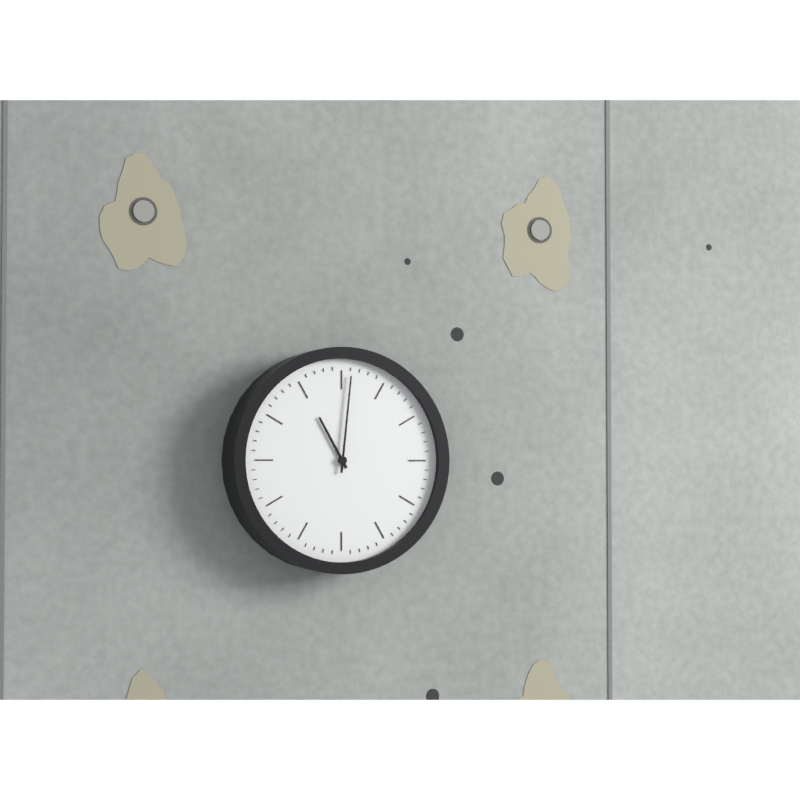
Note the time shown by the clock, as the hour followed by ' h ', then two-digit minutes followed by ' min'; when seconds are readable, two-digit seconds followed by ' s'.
11 h 01 min
